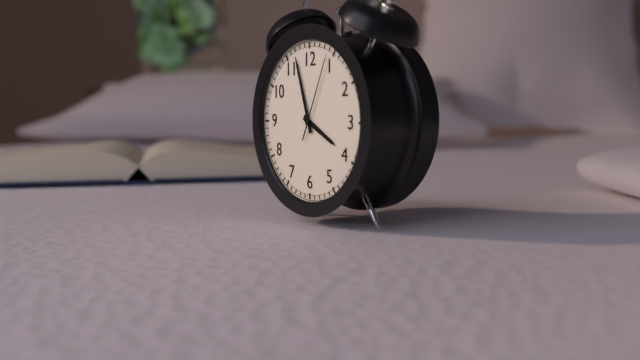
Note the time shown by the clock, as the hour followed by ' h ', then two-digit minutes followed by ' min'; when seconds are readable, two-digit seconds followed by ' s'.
3 h 57 min 04 s
